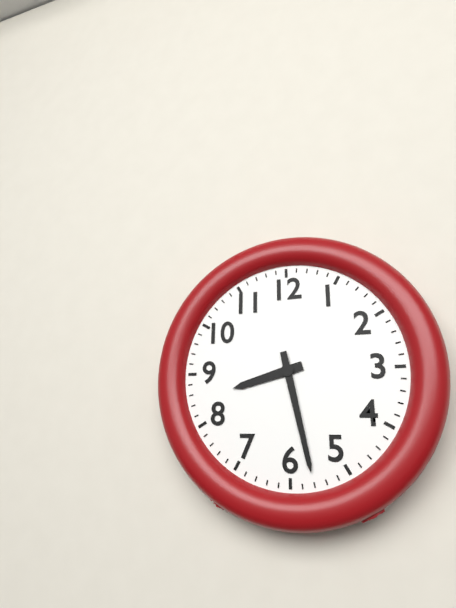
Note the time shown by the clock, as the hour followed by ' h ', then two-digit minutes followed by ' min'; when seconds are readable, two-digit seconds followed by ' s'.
8 h 28 min
